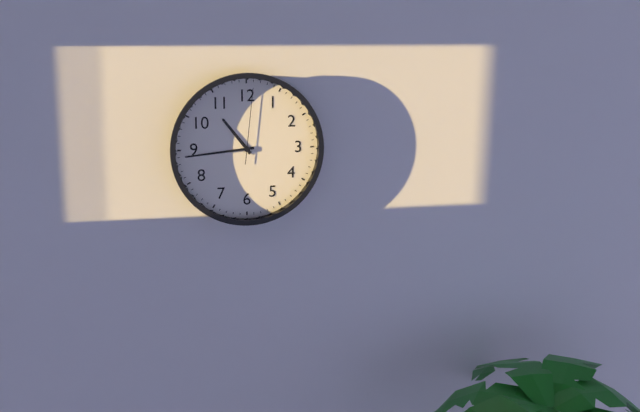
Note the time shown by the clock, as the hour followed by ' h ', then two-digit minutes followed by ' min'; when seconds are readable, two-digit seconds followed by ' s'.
10 h 44 min 01 s
